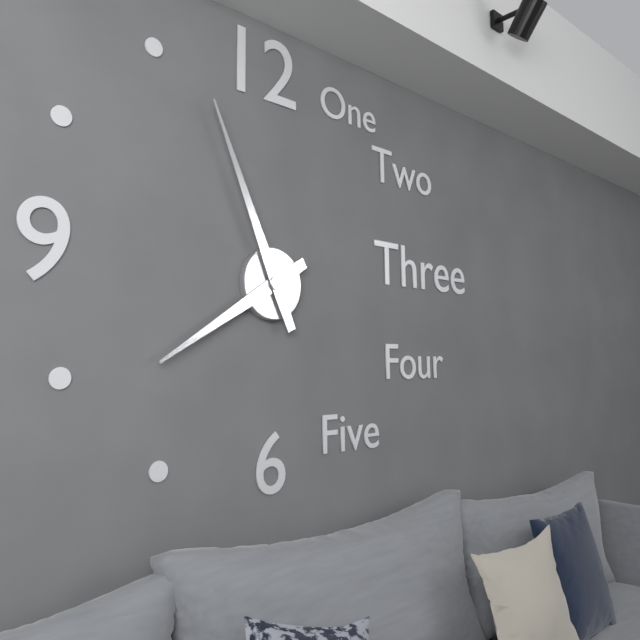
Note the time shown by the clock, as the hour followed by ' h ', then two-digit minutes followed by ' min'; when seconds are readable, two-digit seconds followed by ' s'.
7 h 56 min
